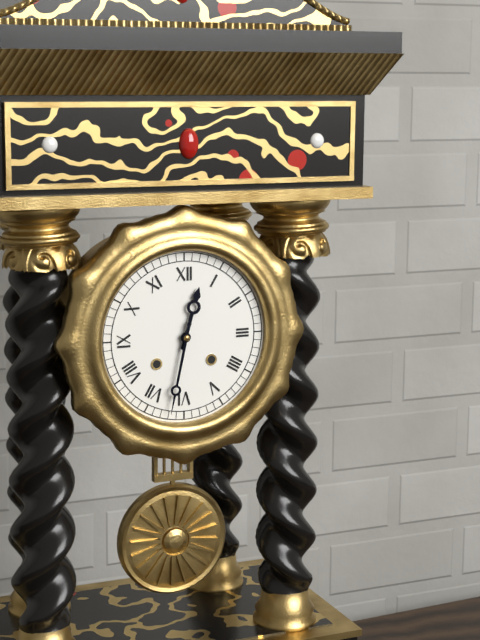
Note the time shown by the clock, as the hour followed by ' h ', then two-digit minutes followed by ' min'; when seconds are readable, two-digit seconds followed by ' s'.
12 h 32 min
